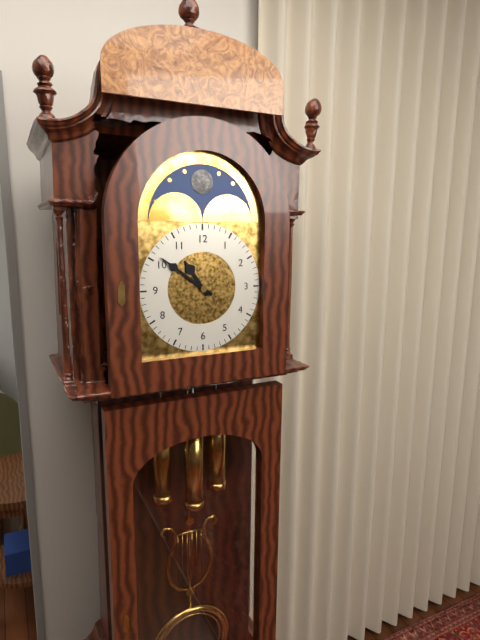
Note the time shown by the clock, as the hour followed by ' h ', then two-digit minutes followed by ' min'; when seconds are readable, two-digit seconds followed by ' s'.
10 h 51 min
